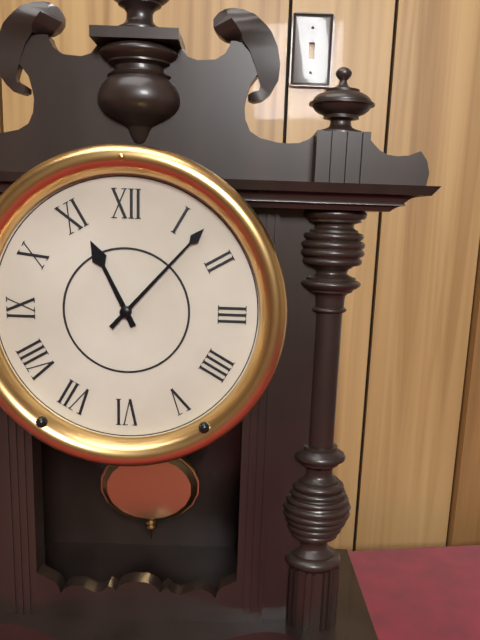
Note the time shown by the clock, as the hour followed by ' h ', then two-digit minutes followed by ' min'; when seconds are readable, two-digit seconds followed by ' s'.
11 h 07 min
